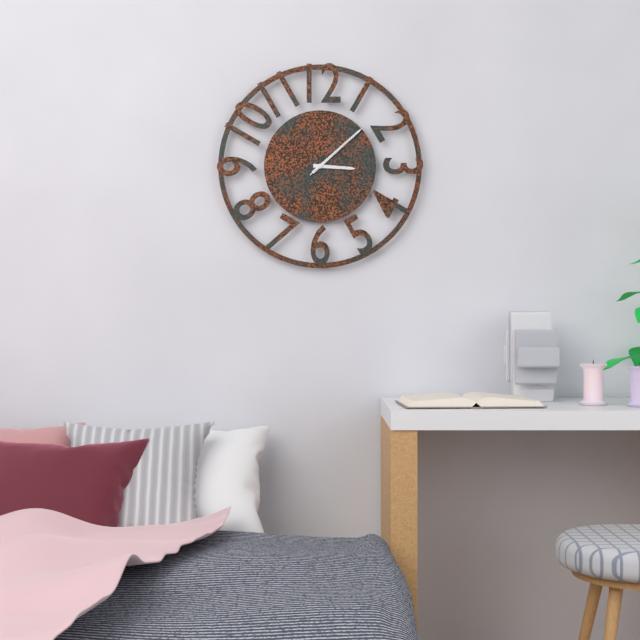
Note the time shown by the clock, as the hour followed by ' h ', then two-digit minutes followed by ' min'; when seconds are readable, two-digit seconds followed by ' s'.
3 h 08 min 08 s
